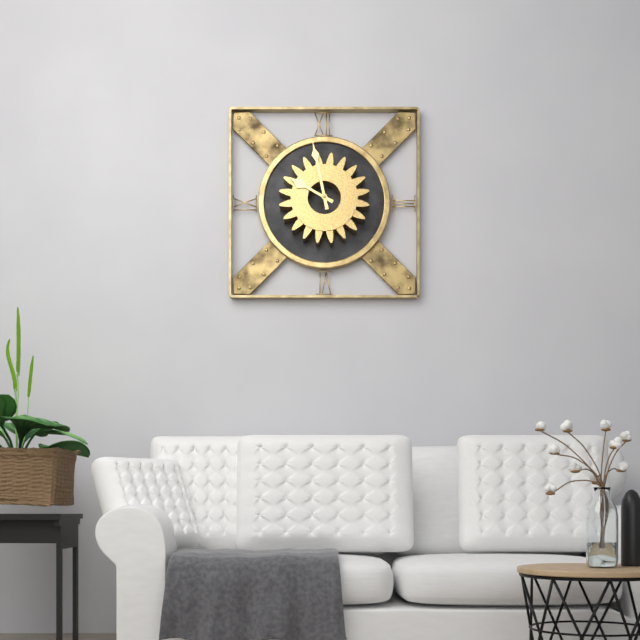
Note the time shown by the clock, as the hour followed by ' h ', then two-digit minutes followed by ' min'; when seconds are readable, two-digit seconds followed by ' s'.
9 h 58 min
